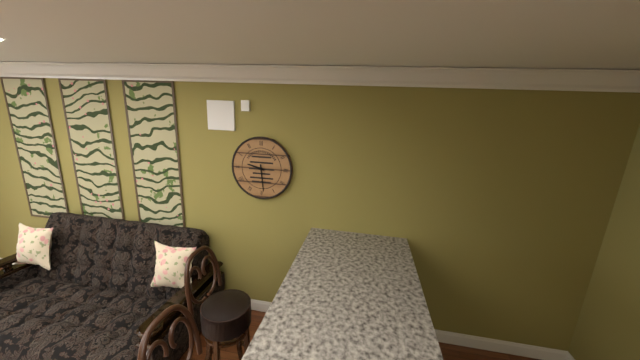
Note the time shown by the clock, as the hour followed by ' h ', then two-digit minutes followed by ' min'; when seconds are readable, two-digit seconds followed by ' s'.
9 h 29 min
